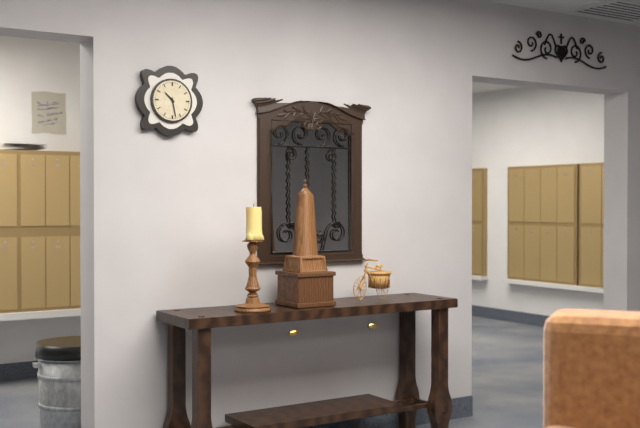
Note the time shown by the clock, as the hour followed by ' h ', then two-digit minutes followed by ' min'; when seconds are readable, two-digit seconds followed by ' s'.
10 h 28 min
